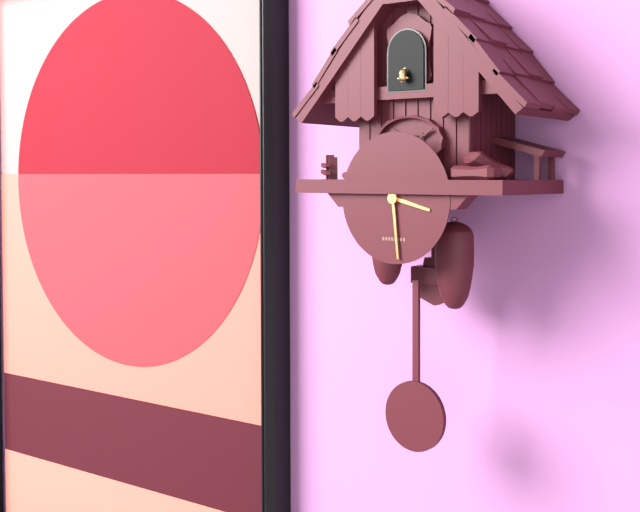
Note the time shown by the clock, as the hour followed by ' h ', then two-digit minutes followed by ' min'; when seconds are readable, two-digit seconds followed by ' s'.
3 h 29 min
